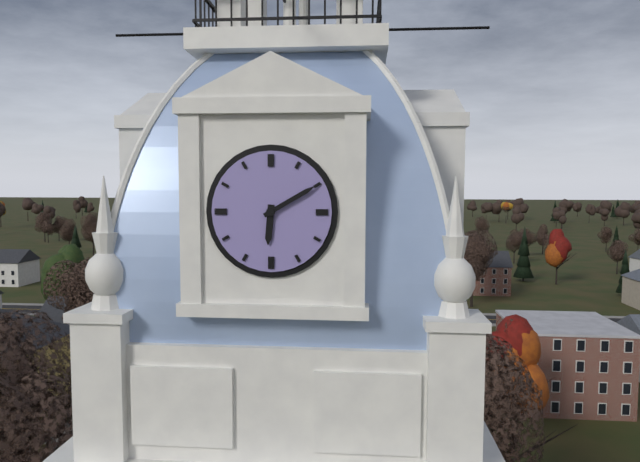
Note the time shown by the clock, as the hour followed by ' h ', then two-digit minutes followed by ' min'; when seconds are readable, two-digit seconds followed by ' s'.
6 h 10 min
